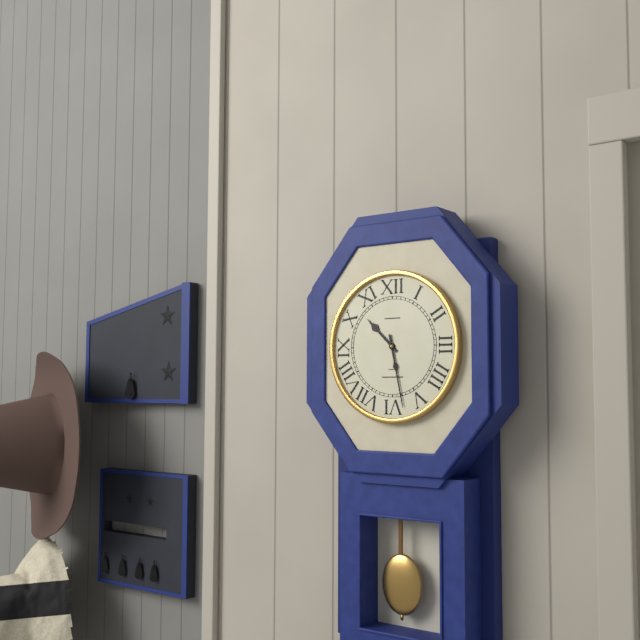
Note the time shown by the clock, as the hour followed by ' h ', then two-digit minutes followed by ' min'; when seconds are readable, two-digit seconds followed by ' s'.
10 h 28 min
